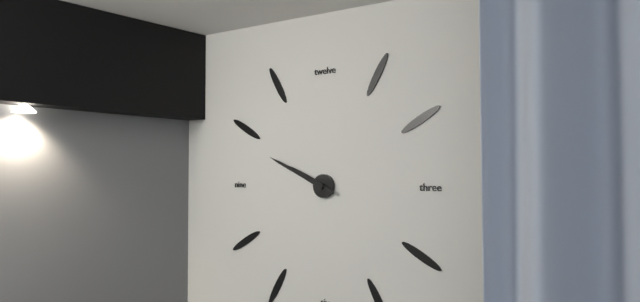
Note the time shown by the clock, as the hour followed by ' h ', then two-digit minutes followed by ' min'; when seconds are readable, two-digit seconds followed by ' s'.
9 h 49 min
